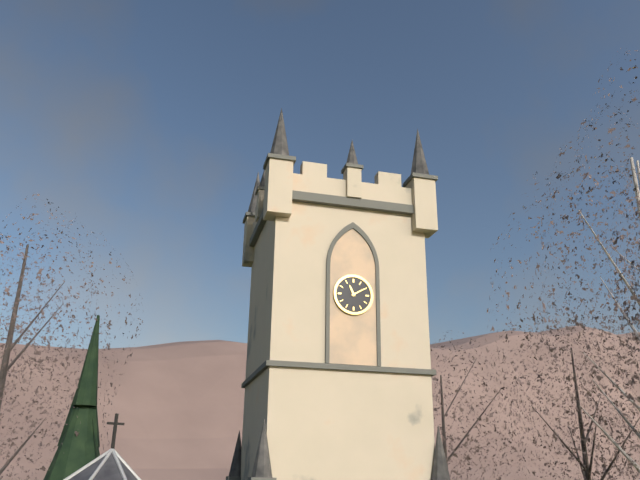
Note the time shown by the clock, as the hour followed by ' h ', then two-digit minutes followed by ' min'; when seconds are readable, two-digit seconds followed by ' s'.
11 h 10 min
